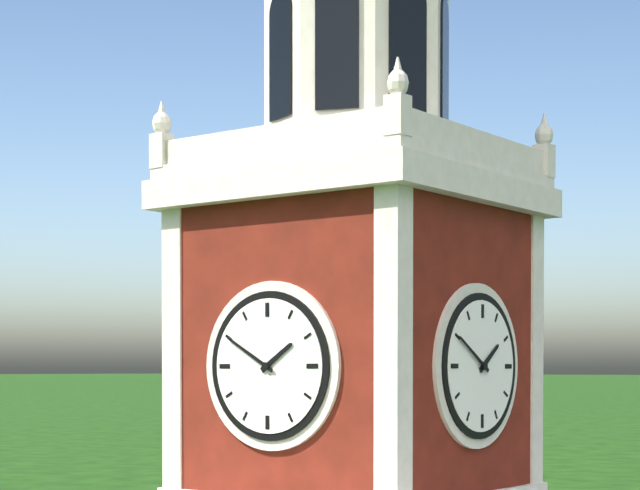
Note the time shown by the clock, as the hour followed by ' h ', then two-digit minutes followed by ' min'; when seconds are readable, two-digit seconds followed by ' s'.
1 h 50 min
